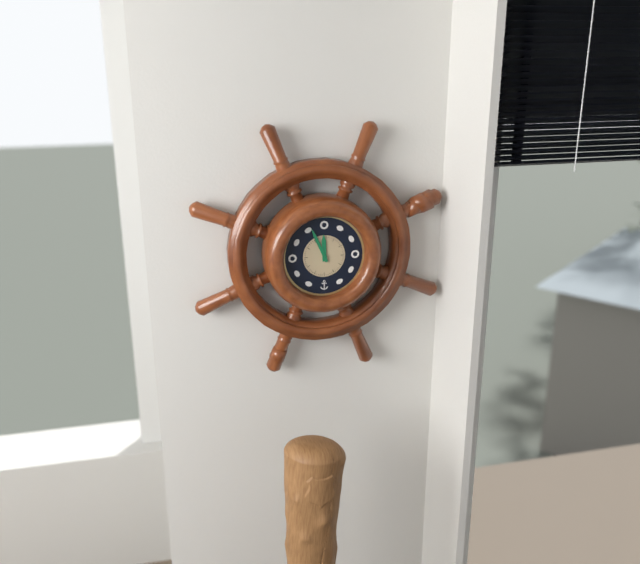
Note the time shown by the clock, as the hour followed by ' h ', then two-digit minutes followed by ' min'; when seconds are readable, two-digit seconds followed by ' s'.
11 h 56 min
